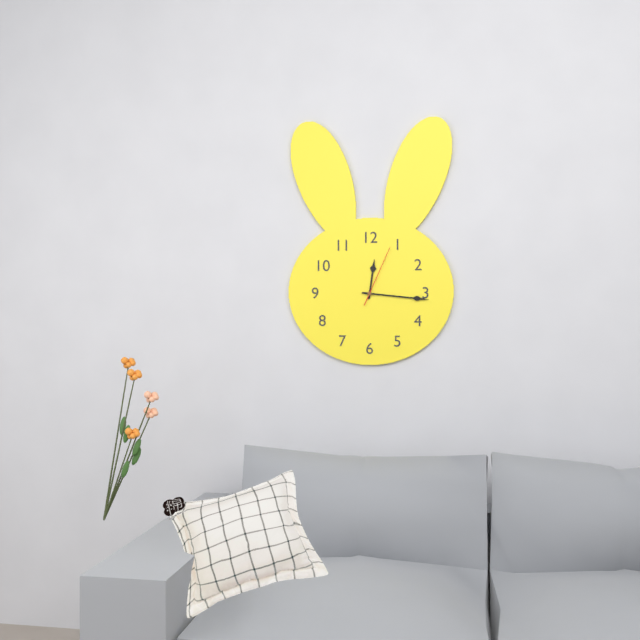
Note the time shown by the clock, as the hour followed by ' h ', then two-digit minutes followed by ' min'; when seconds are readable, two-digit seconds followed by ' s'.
12 h 16 min 04 s
